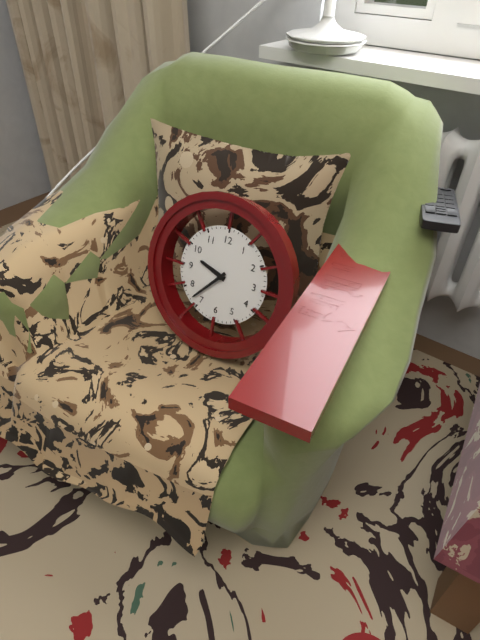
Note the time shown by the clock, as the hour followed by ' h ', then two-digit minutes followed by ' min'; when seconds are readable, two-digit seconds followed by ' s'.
9 h 37 min
